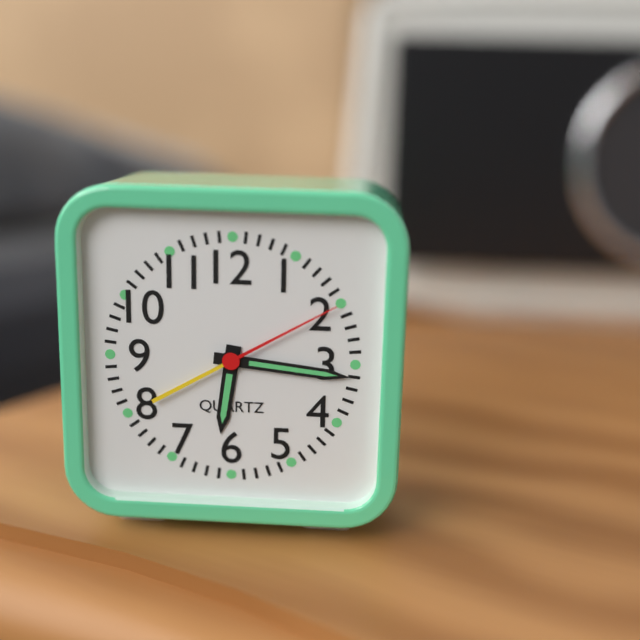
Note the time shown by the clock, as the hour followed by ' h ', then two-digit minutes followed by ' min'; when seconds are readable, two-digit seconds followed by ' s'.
6 h 16 min 10 s
